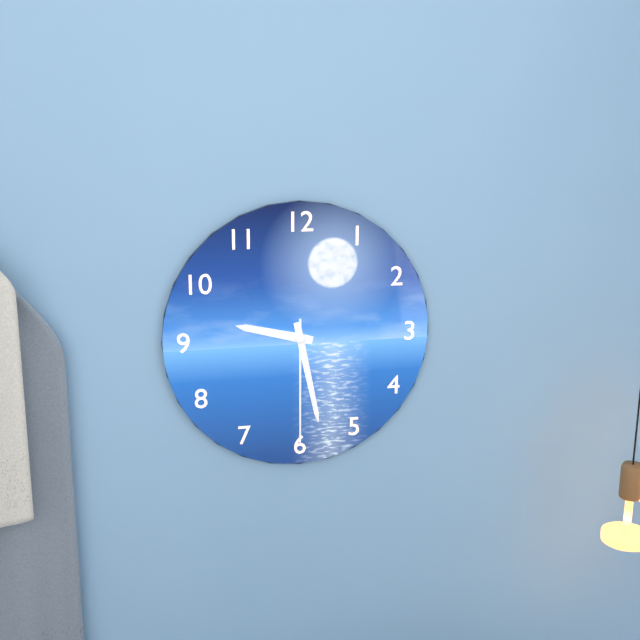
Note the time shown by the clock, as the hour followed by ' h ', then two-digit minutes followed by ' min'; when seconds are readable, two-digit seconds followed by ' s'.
9 h 28 min 30 s
